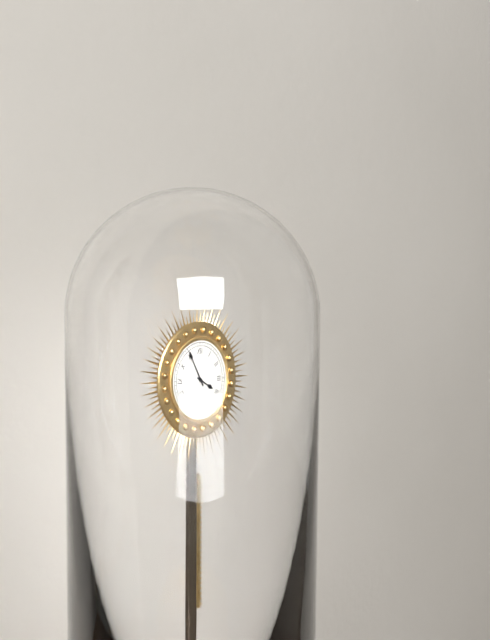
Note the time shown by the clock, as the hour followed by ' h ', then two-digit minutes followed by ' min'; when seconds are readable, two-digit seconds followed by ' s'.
3 h 55 min
